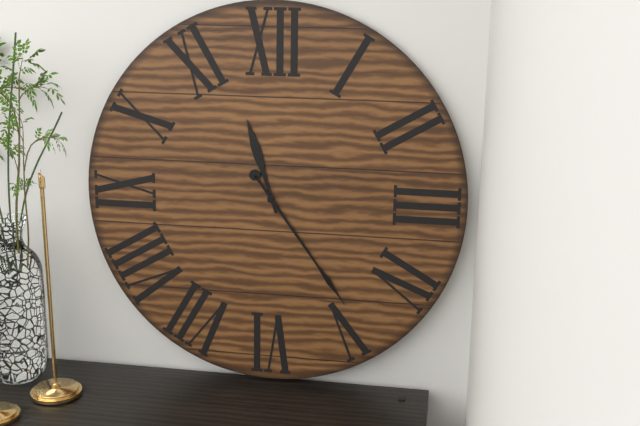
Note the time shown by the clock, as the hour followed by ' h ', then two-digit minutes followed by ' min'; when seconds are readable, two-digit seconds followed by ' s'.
11 h 24 min
